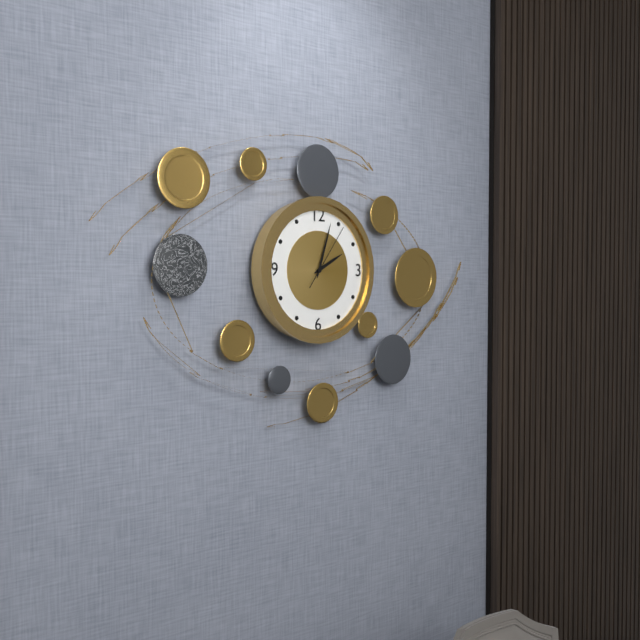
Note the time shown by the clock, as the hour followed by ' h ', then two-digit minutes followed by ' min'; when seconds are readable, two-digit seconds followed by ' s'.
2 h 03 min 06 s
